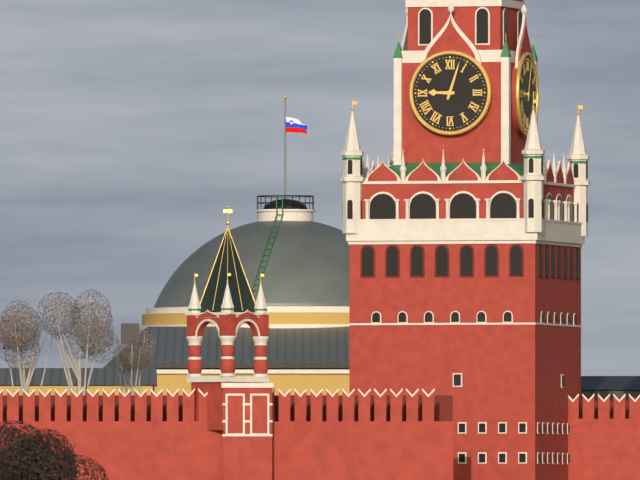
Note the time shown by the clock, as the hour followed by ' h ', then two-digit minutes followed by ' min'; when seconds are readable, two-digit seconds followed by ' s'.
9 h 03 min
